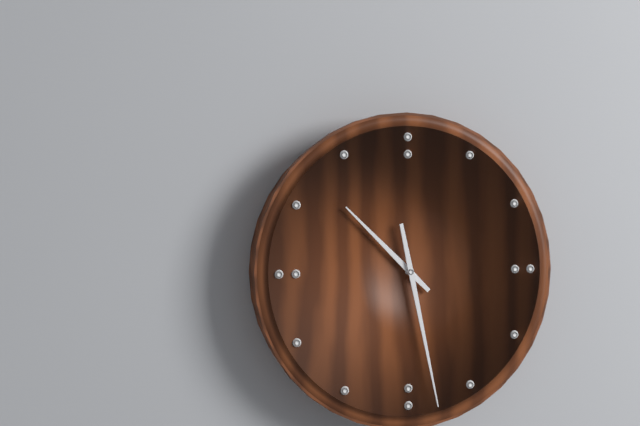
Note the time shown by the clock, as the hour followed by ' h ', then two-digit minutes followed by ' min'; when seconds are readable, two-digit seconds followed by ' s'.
10 h 28 min
